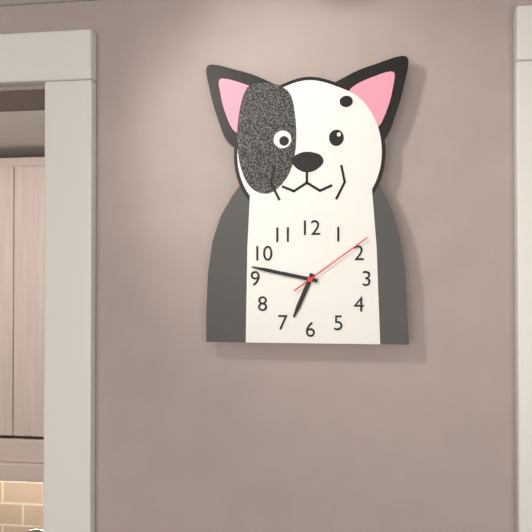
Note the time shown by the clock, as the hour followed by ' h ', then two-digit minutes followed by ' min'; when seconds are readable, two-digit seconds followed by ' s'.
6 h 47 min 09 s
